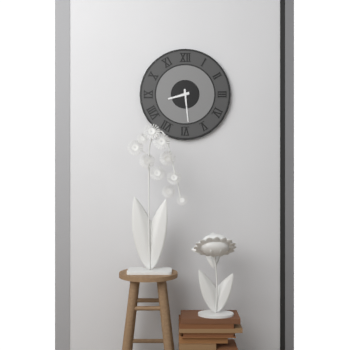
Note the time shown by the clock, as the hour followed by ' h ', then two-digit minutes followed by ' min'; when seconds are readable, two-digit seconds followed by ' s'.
8 h 29 min
